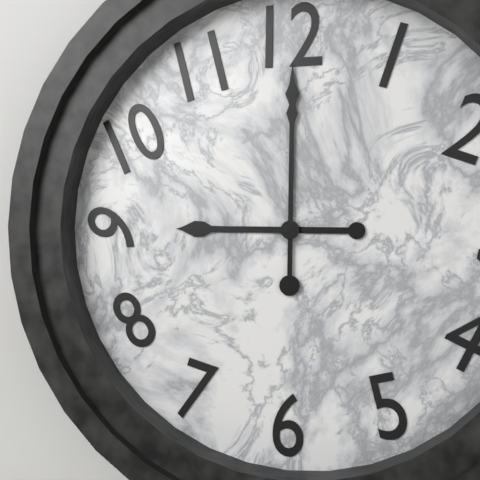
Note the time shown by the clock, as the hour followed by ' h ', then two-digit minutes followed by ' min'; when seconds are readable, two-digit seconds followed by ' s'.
9 h 00 min
